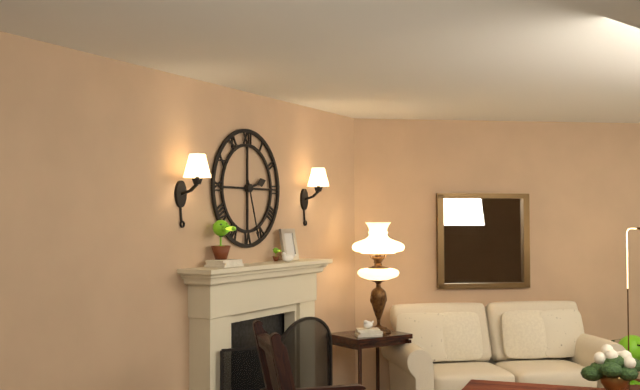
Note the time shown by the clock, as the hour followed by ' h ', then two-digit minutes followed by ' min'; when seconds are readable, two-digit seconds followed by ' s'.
2 h 27 min
